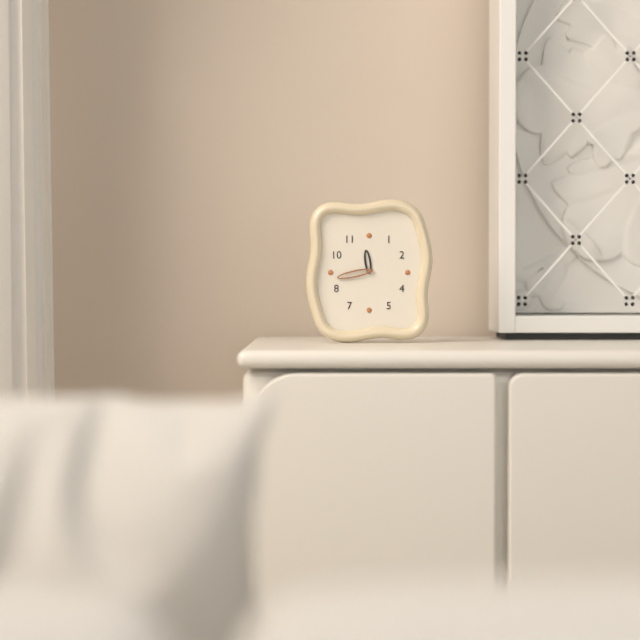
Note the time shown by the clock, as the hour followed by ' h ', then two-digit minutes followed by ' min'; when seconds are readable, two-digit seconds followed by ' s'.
11 h 43 min
